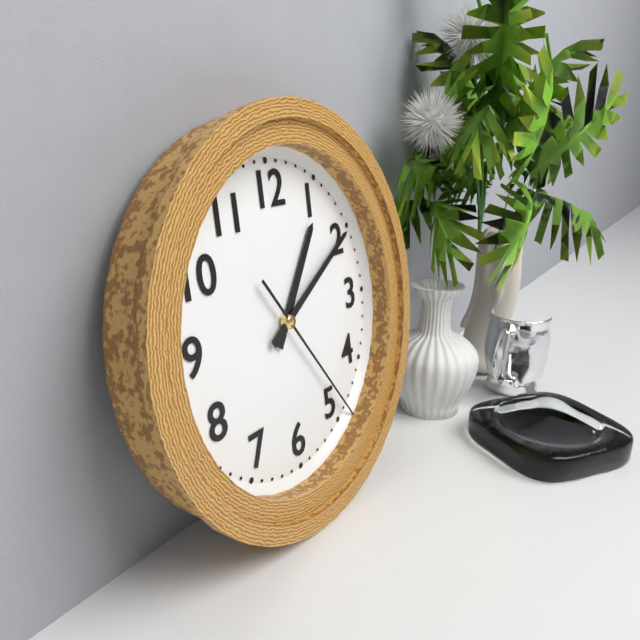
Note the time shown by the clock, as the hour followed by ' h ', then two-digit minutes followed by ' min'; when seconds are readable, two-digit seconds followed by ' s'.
1 h 10 min 24 s
